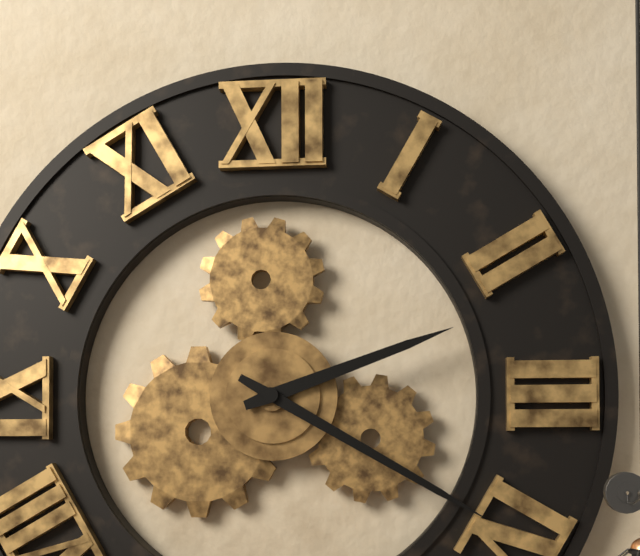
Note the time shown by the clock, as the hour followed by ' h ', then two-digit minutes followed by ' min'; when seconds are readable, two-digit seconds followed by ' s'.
2 h 20 min
